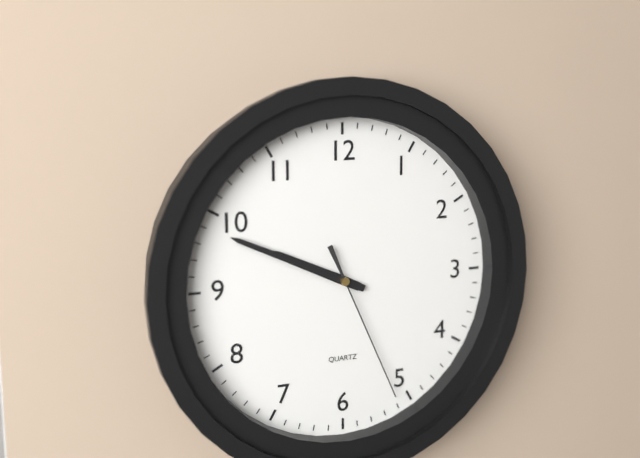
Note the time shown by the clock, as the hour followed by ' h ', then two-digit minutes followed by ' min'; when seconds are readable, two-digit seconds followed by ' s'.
9 h 49 min 26 s
